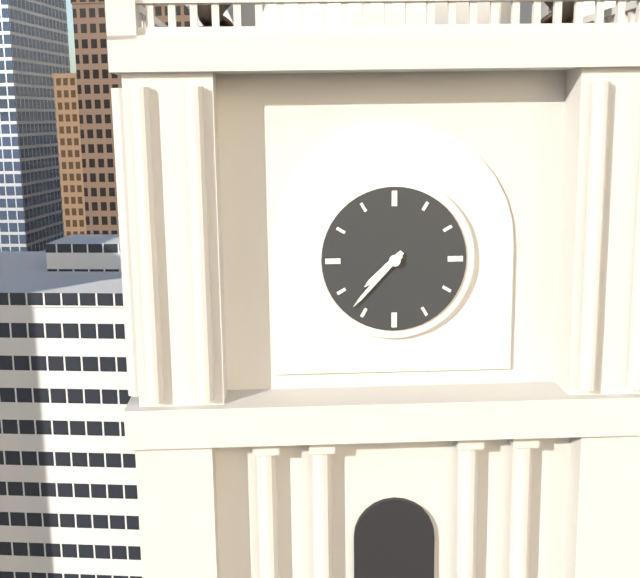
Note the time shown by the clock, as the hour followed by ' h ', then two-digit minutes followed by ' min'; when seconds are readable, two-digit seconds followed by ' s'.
7 h 37 min
